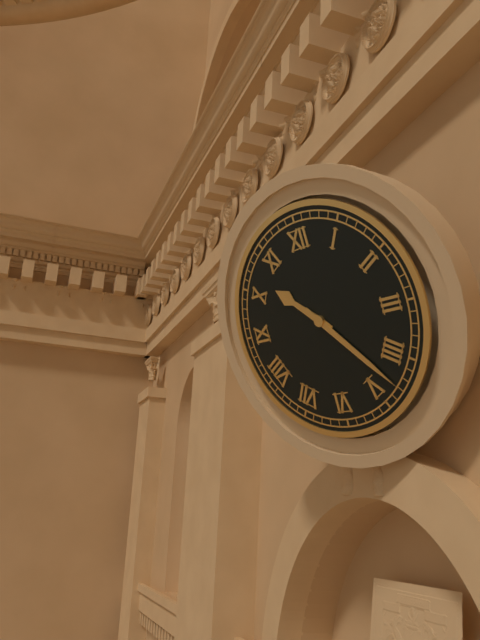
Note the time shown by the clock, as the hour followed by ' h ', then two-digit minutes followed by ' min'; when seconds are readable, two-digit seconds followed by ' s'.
10 h 23 min
